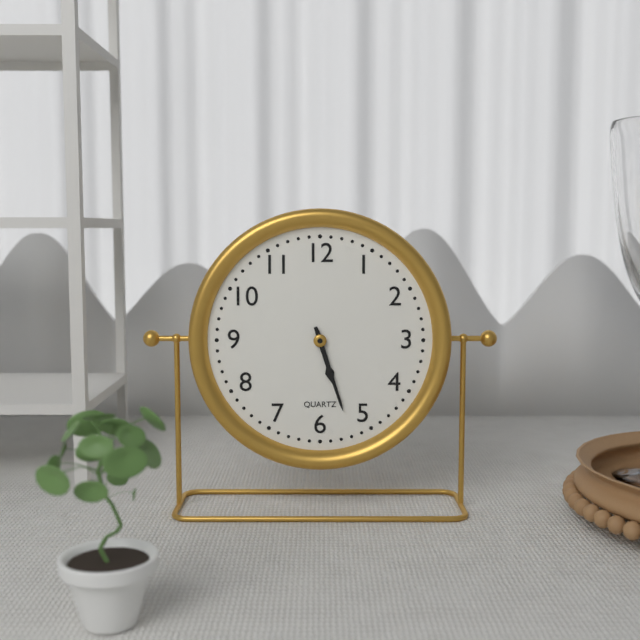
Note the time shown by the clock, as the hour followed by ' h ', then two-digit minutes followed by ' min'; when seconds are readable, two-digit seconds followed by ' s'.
5 h 27 min
